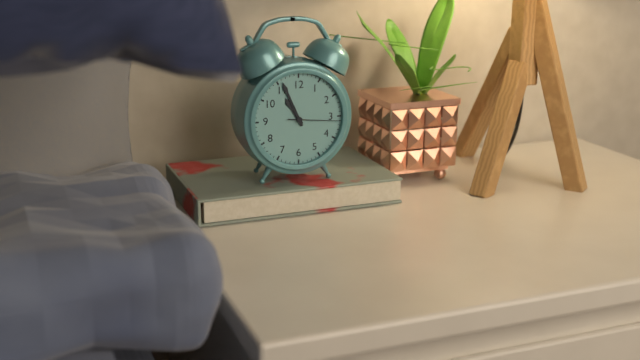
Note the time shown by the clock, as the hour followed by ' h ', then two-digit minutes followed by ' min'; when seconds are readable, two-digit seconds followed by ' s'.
10 h 56 min 16 s
